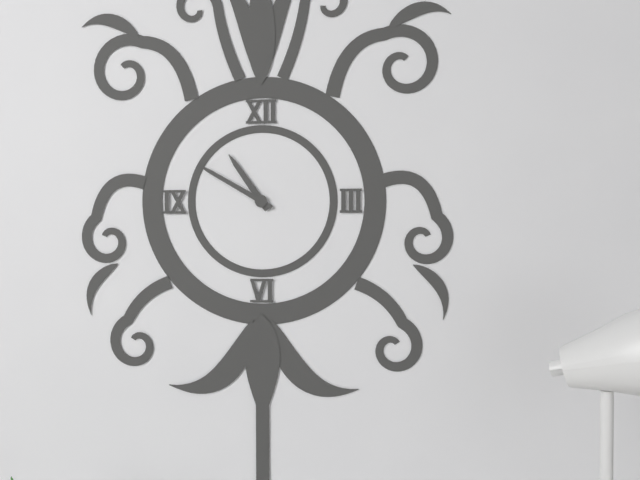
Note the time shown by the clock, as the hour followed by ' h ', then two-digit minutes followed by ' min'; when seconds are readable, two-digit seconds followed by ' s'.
10 h 50 min
